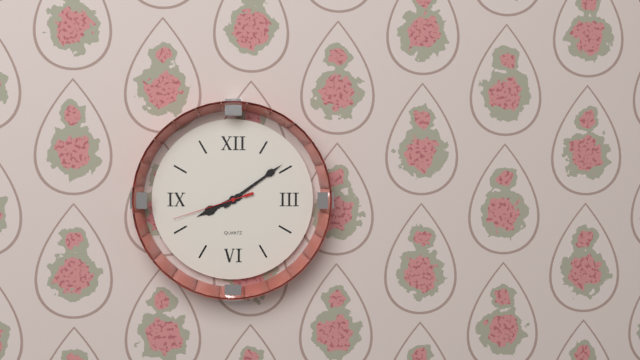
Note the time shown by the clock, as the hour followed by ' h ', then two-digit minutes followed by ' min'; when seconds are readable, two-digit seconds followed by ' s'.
8 h 09 min 42 s
